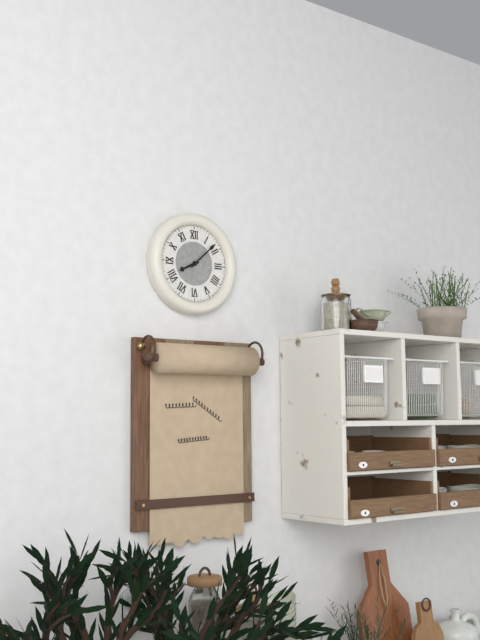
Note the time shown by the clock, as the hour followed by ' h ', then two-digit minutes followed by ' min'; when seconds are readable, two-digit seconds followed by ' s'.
8 h 08 min
